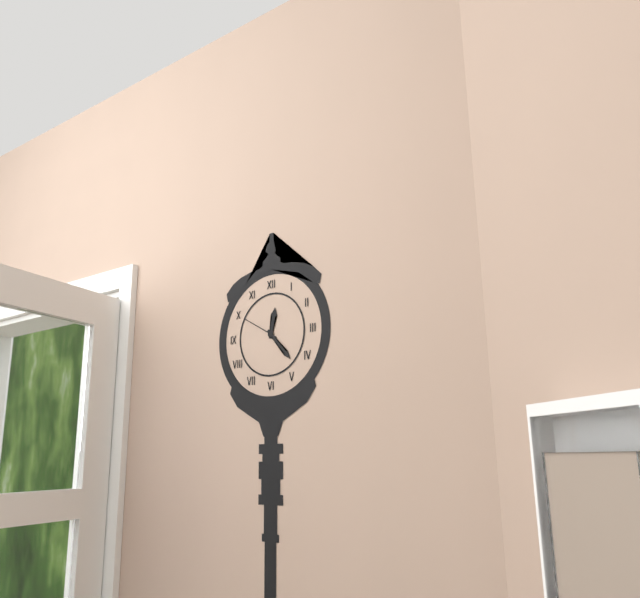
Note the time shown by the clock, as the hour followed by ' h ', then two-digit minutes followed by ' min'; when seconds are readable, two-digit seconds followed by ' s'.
12 h 23 min
